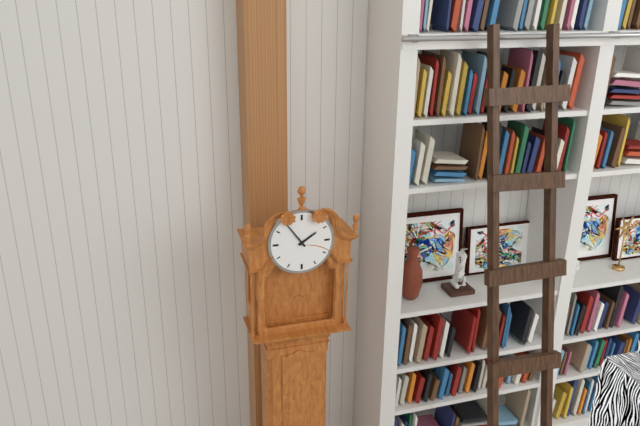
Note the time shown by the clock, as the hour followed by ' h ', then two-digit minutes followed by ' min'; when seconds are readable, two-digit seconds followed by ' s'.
1 h 54 min
